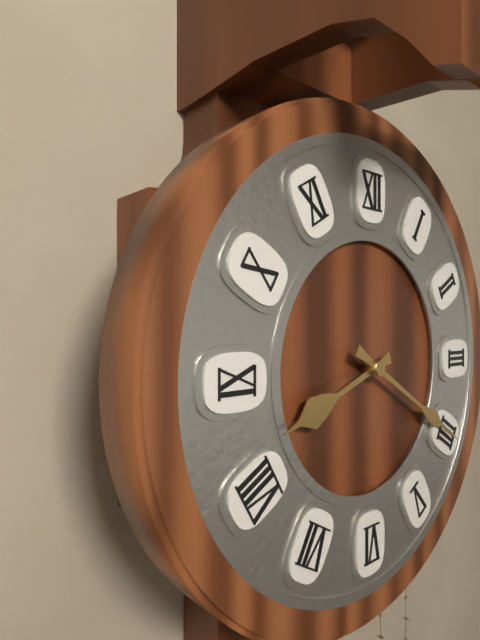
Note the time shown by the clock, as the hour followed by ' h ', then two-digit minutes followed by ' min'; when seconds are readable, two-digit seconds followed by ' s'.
8 h 20 min
